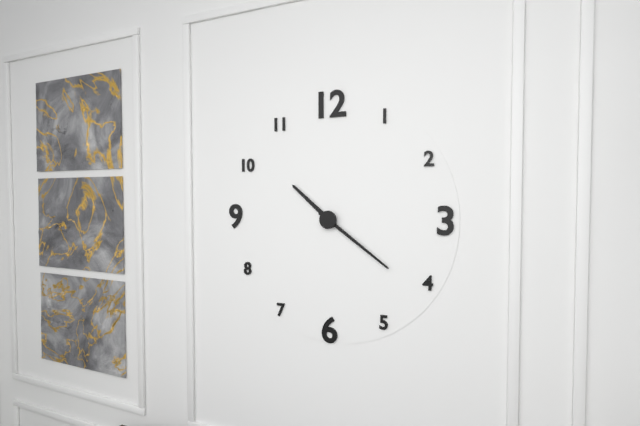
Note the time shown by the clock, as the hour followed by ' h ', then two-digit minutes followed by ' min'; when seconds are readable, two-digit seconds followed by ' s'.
10 h 21 min
